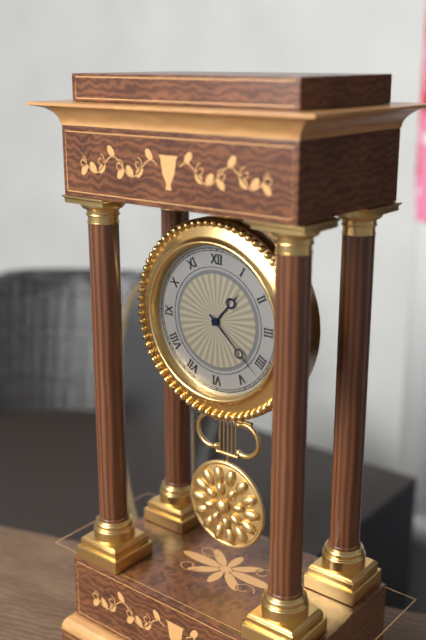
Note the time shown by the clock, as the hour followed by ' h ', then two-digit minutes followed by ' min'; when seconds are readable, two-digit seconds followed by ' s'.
1 h 22 min
